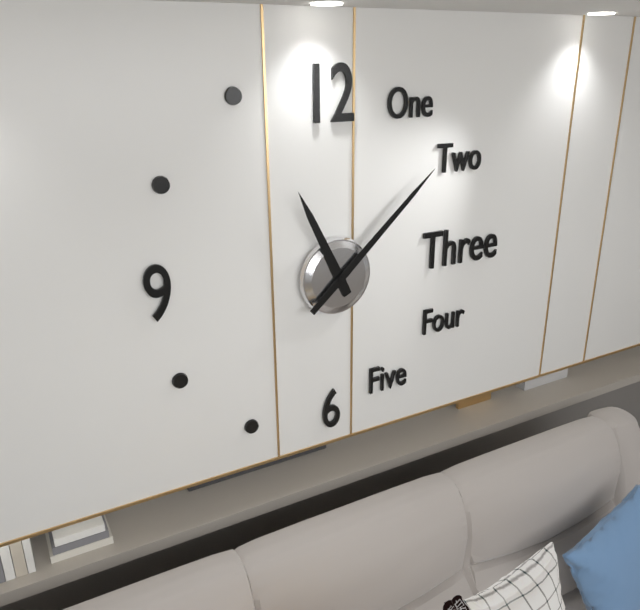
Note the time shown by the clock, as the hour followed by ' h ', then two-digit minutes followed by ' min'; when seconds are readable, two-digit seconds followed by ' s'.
11 h 08 min
